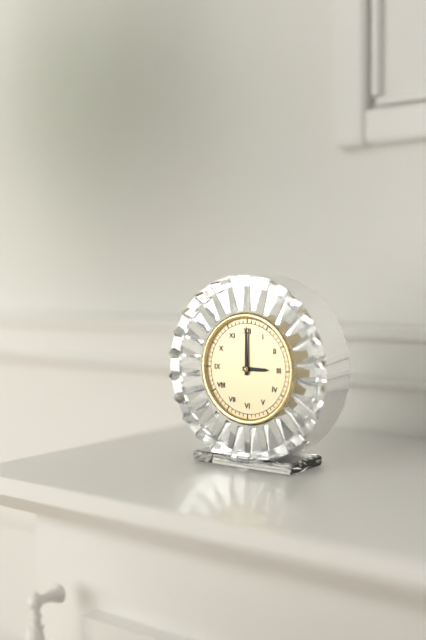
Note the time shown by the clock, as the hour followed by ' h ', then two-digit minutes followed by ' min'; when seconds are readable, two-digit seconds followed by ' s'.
3 h 00 min
